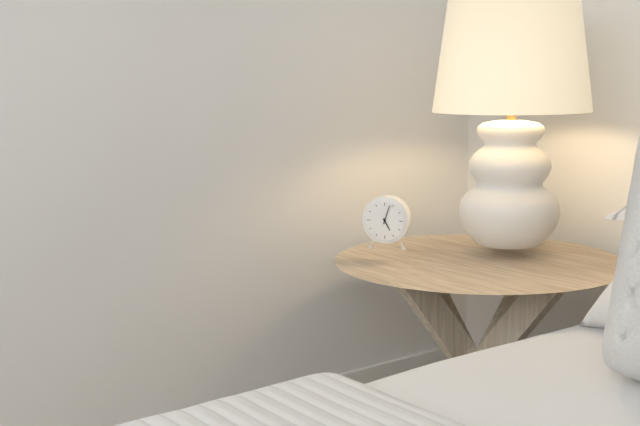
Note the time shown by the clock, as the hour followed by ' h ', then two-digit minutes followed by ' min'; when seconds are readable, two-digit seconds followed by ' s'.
5 h 03 min
